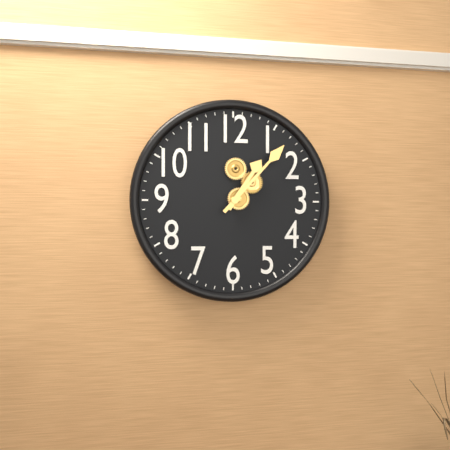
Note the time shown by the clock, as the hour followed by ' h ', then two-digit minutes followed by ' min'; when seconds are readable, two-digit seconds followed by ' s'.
1 h 07 min
